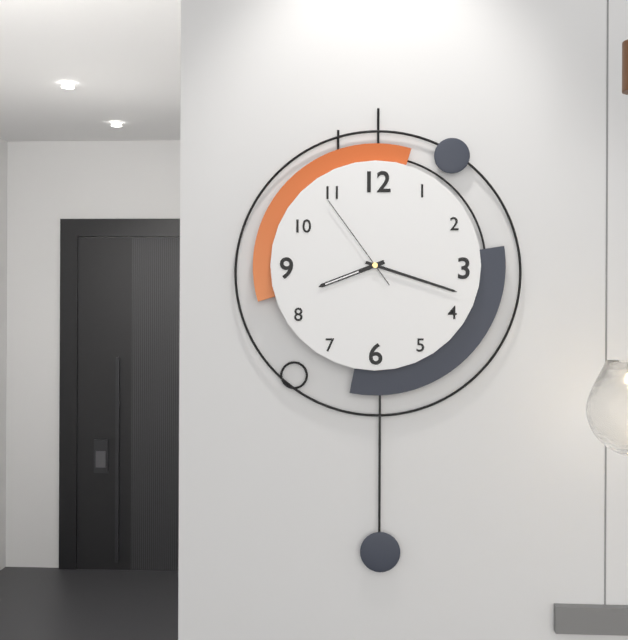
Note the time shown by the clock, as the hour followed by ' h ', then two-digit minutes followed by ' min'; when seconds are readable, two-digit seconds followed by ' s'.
8 h 18 min 54 s
